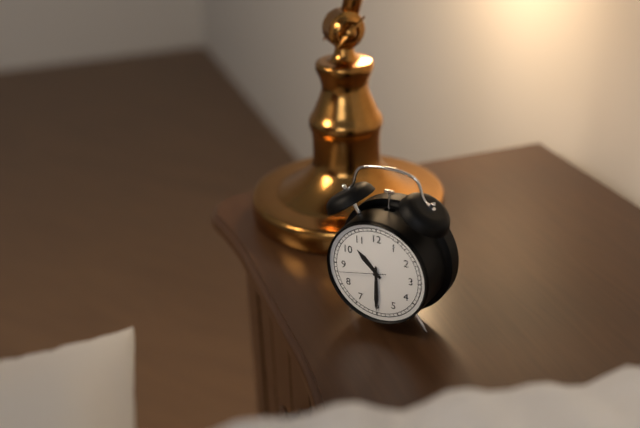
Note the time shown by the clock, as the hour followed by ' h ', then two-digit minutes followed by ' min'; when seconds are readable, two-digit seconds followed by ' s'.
10 h 30 min 43 s
